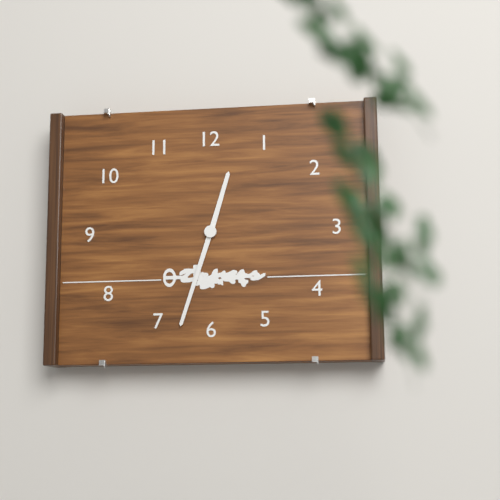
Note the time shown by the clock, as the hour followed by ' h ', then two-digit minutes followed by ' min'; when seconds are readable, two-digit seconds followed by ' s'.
12 h 33 min
